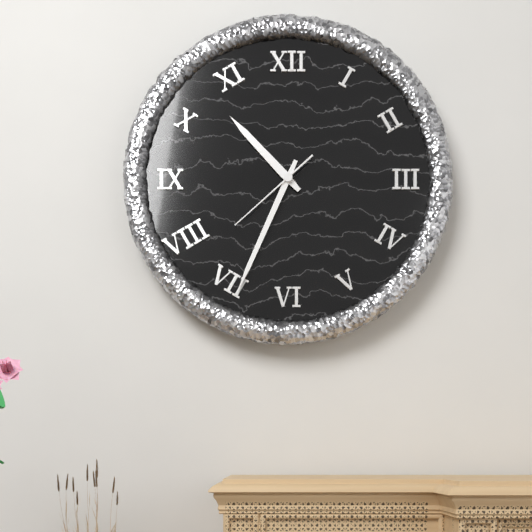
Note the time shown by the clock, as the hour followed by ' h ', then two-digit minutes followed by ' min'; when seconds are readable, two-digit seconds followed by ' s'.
10 h 34 min 38 s
